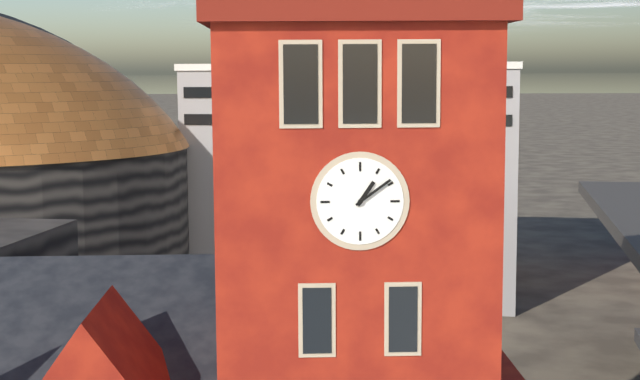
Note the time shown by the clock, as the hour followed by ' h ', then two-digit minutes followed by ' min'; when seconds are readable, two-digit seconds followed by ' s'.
1 h 09 min
